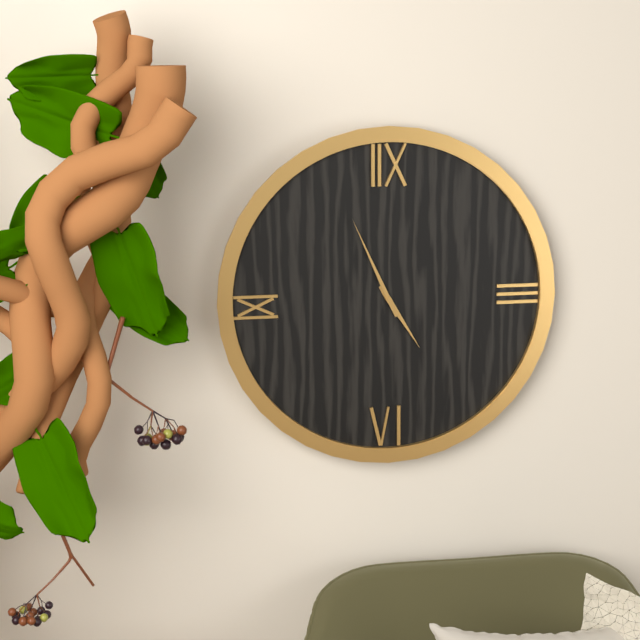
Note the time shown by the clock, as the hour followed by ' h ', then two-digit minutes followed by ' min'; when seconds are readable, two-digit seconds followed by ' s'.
4 h 56 min
